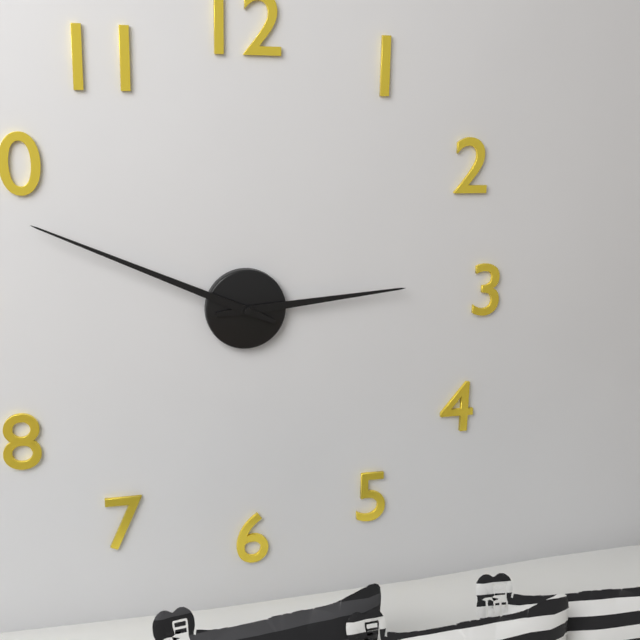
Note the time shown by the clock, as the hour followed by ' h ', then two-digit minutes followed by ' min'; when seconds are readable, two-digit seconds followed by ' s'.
2 h 49 min
